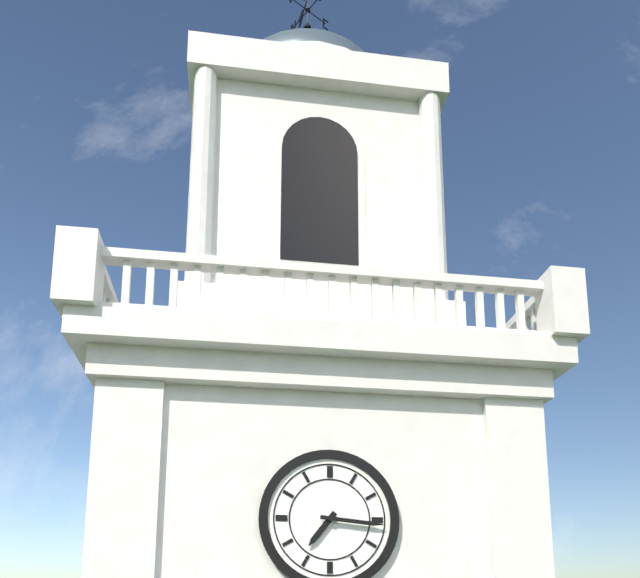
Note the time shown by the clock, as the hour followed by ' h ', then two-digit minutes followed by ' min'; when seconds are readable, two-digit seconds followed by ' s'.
7 h 16 min
